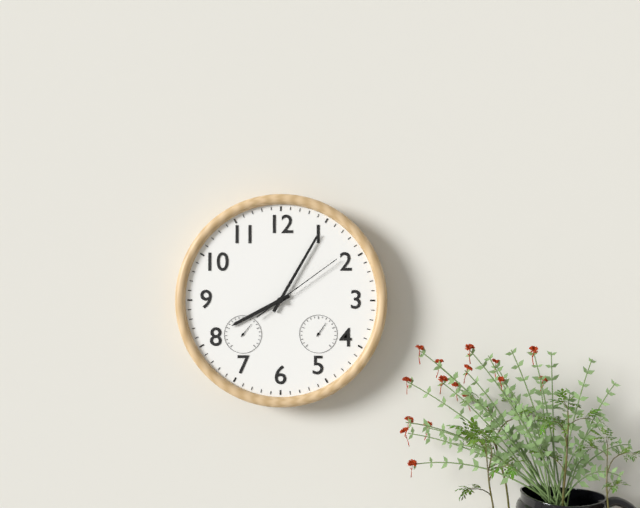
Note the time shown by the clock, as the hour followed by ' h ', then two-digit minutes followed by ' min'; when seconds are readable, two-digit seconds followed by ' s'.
8 h 05 min 09 s
